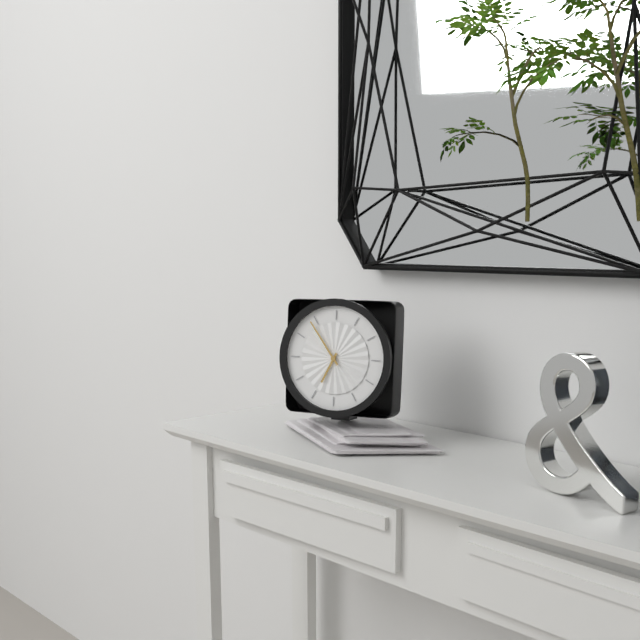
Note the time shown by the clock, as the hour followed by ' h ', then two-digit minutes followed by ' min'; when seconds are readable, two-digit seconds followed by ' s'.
6 h 54 min
